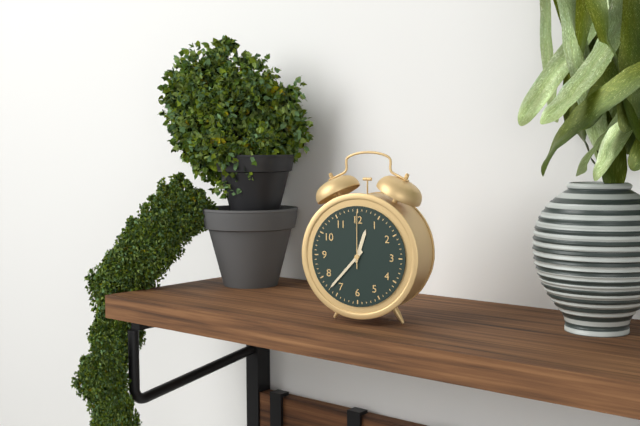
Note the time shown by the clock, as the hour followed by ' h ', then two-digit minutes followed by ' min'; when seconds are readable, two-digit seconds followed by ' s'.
12 h 37 min 00 s
